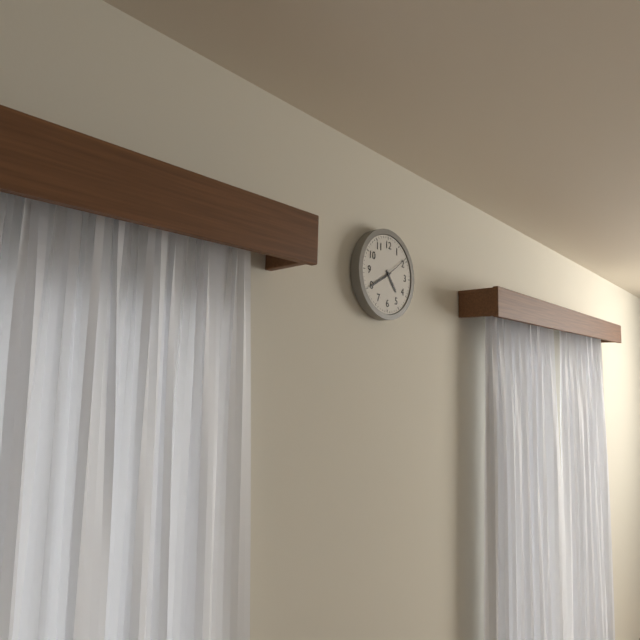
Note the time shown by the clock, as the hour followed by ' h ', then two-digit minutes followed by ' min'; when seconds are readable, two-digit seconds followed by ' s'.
4 h 40 min
